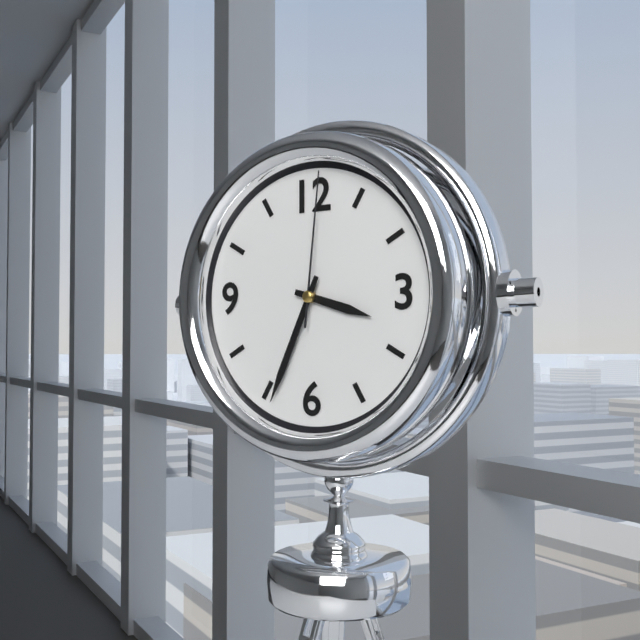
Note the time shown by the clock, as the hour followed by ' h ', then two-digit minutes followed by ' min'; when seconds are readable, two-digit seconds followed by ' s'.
3 h 34 min 01 s
